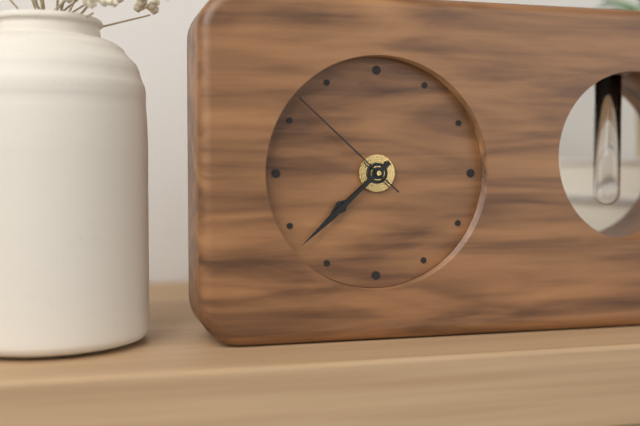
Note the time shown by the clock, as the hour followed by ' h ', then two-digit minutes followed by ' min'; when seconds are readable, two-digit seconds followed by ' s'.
7 h 38 min 52 s
